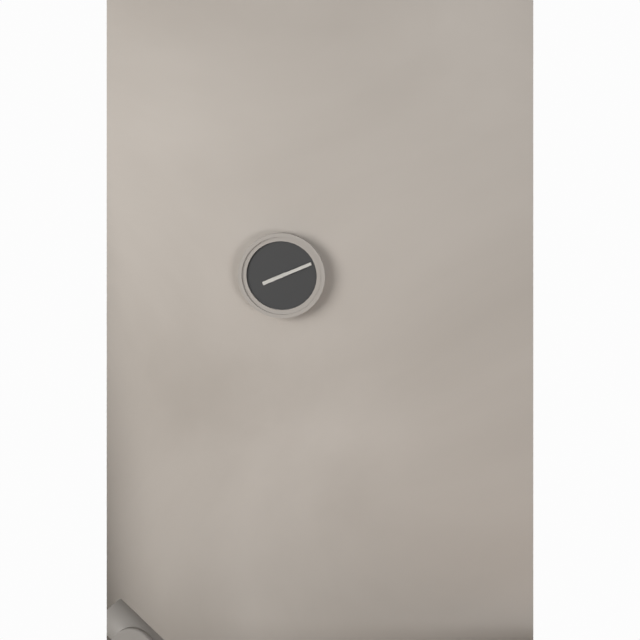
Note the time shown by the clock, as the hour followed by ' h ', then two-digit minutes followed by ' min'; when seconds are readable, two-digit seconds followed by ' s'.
8 h 11 min
